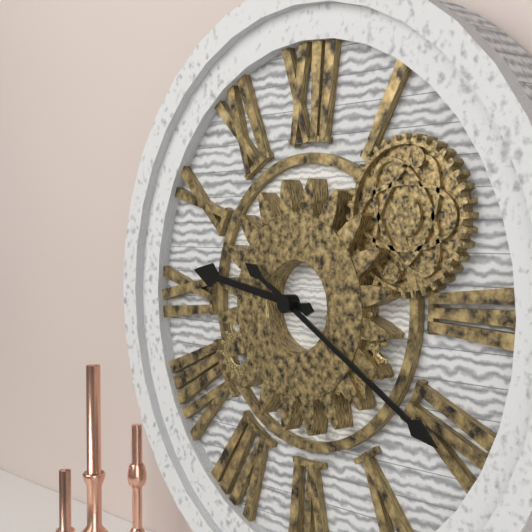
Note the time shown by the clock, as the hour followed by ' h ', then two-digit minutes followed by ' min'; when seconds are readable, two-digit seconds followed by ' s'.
9 h 20 min
